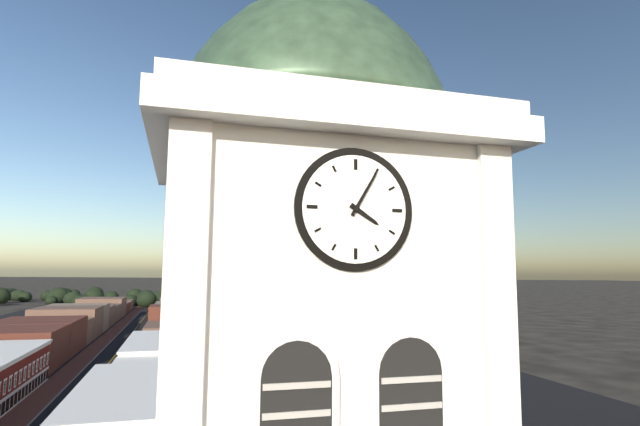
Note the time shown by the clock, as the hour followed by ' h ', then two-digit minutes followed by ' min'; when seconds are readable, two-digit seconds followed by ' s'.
4 h 05 min
